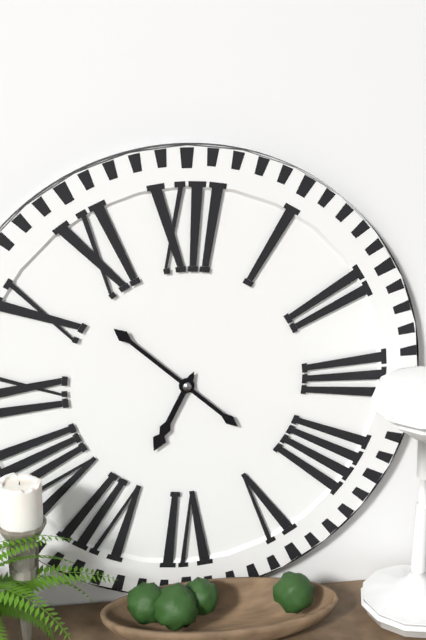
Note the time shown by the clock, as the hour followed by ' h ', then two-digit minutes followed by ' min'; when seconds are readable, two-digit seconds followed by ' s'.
6 h 52 min
